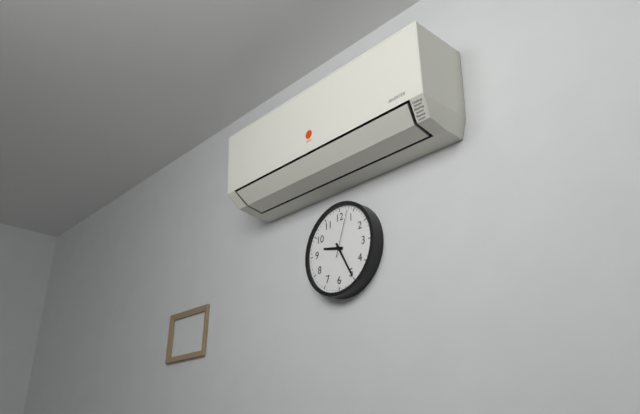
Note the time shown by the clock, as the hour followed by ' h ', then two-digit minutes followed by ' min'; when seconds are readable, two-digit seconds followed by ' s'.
9 h 25 min 03 s
